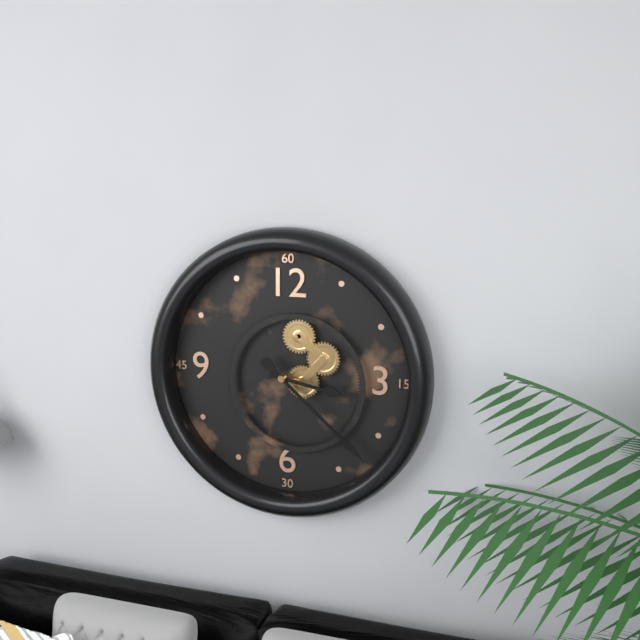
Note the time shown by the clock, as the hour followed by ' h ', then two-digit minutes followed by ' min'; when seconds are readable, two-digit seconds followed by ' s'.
3 h 22 min
